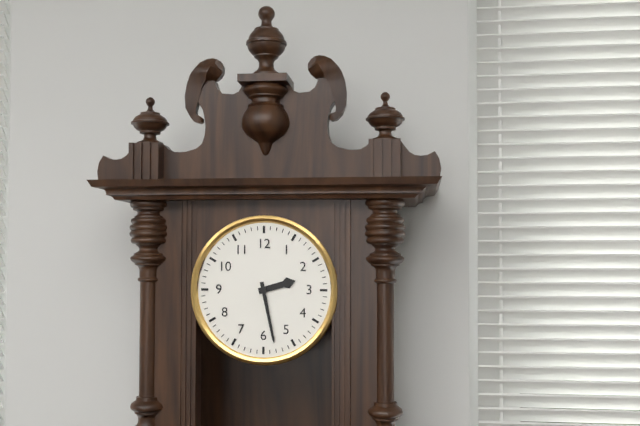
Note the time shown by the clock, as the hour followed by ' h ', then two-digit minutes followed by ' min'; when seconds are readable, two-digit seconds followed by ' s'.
2 h 28 min
